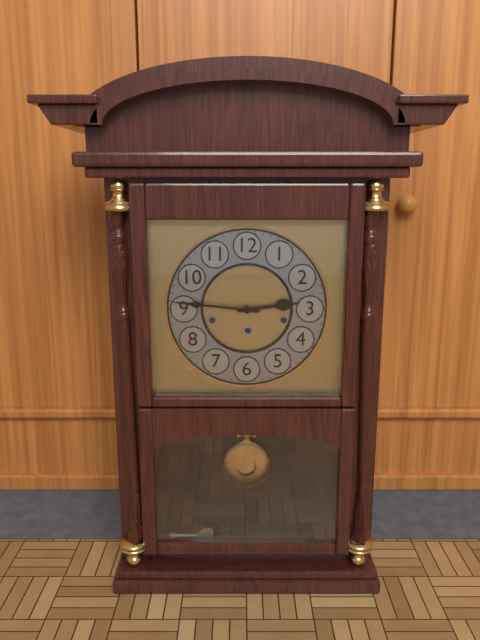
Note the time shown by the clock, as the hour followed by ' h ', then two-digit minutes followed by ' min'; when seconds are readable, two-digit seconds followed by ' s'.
2 h 46 min
